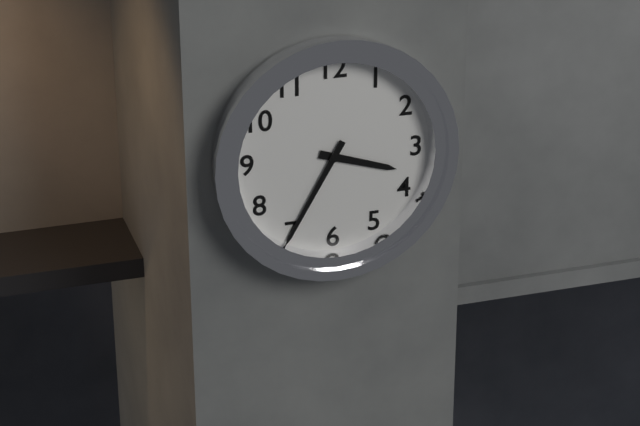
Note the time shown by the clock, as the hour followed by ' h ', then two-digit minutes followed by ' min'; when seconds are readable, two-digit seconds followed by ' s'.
3 h 35 min
